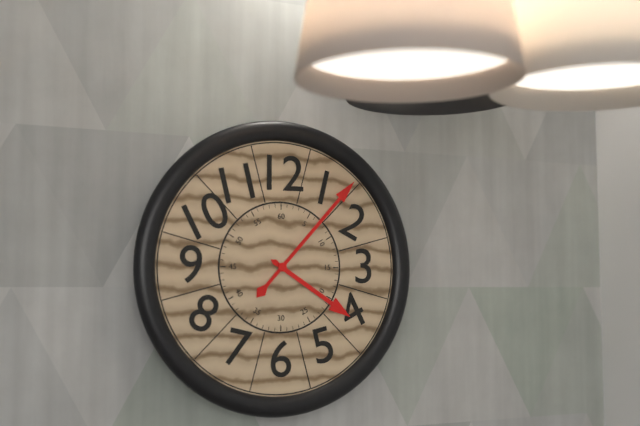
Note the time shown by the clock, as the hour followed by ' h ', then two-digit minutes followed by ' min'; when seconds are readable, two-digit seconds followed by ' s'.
4 h 07 min
